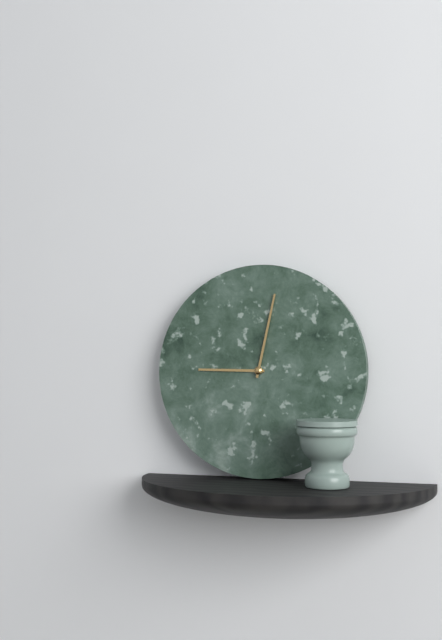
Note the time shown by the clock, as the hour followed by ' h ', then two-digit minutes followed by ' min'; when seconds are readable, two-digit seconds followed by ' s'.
9 h 02 min
